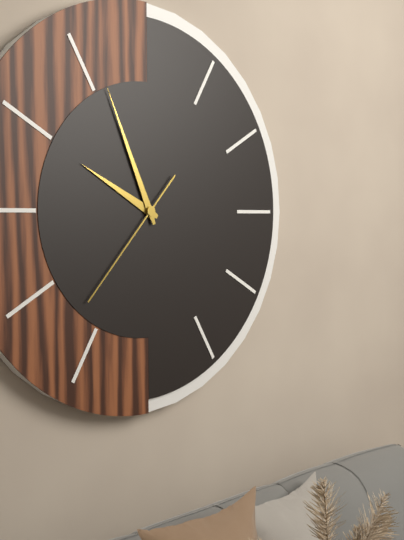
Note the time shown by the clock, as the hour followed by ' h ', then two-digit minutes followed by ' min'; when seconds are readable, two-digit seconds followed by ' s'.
9 h 56 min 37 s
